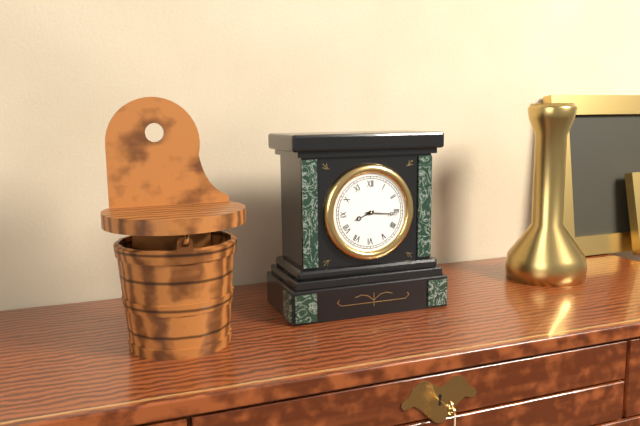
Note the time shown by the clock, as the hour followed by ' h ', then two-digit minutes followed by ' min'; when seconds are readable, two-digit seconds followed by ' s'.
8 h 16 min
